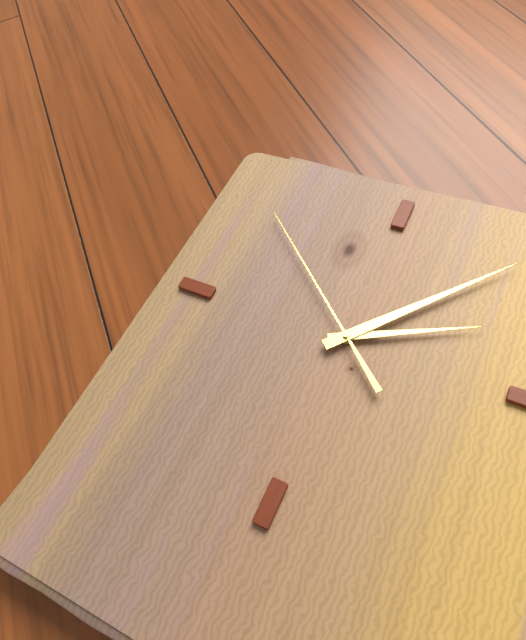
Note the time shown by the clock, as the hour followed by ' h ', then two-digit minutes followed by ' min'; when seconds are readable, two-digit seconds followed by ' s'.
2 h 07 min 52 s
